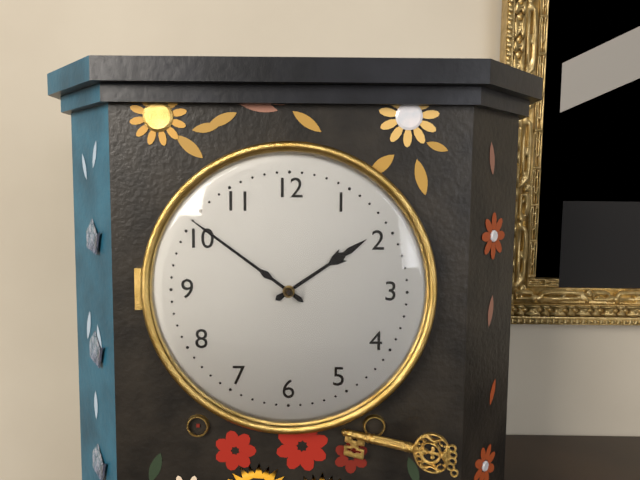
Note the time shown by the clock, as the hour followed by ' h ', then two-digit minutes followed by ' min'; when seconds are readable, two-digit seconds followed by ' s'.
1 h 51 min
